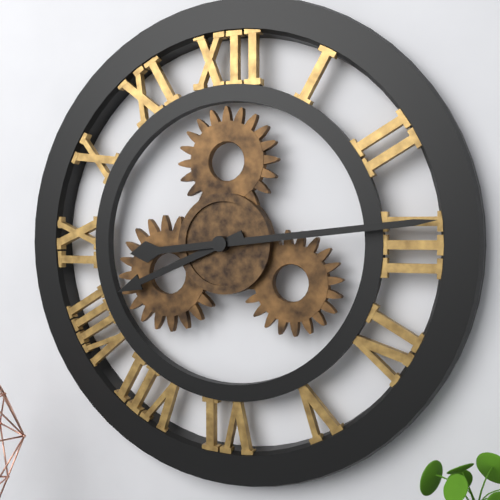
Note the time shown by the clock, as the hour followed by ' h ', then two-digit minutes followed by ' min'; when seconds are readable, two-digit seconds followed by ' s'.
8 h 14 min
